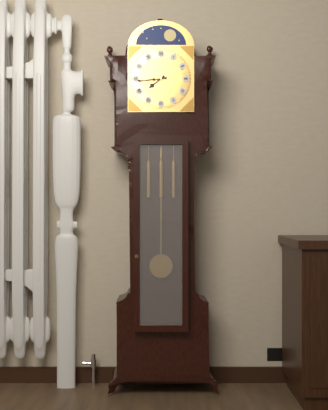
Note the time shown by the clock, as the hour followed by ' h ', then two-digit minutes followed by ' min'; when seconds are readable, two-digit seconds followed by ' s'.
7 h 44 min
